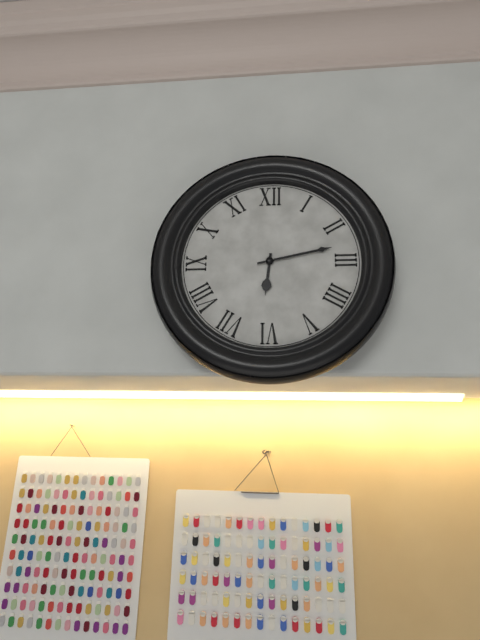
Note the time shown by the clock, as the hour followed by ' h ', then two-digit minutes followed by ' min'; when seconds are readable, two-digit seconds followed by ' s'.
6 h 13 min
